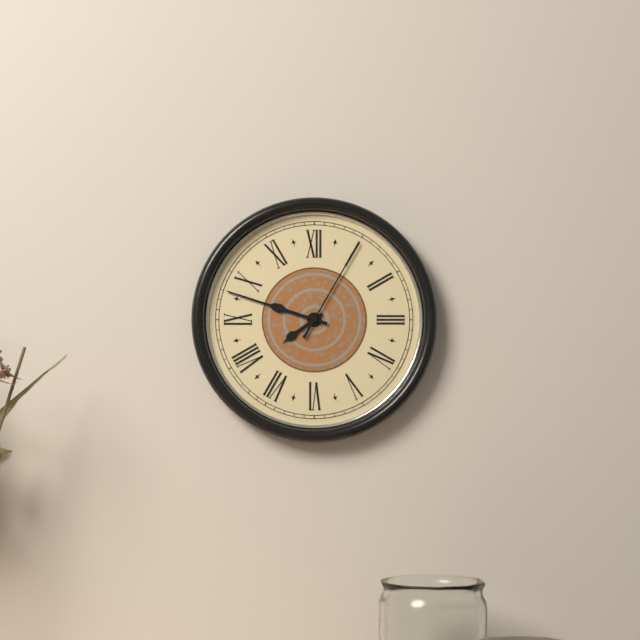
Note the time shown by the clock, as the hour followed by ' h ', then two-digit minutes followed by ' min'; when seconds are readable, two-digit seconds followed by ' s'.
7 h 48 min 05 s
